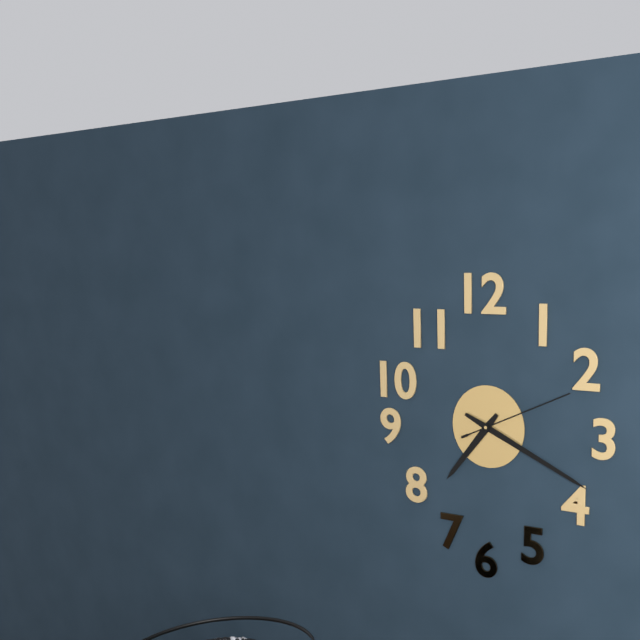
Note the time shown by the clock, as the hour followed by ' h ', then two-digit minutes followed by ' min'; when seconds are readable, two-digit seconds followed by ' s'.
7 h 19 min 11 s
